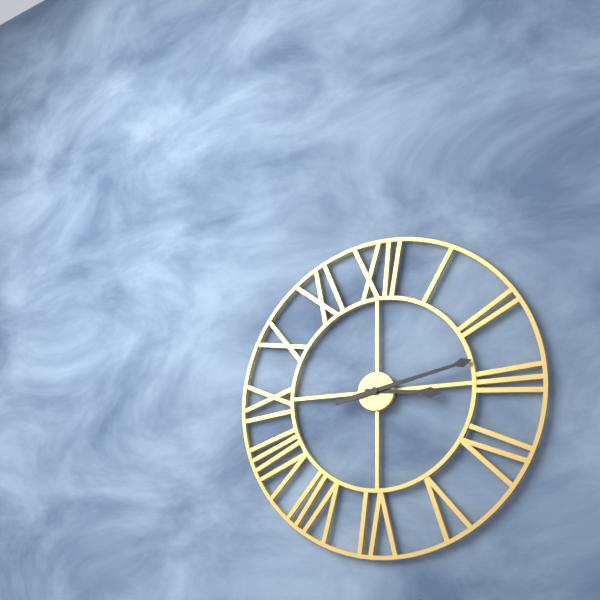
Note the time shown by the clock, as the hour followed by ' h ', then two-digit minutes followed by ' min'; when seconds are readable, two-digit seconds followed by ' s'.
3 h 13 min
